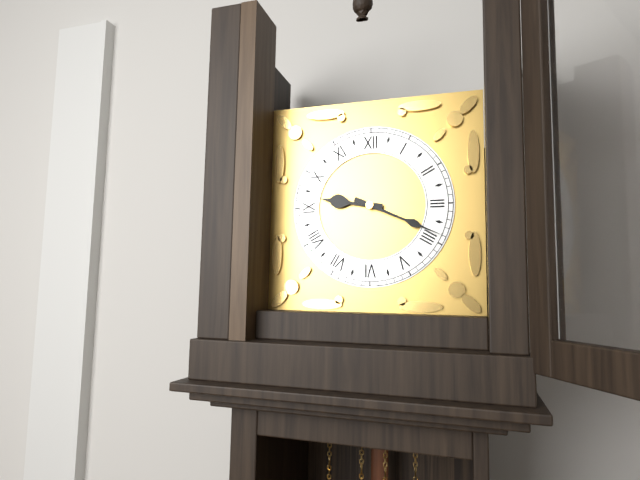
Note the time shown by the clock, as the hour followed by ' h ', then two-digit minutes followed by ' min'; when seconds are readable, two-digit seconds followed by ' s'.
9 h 19 min
